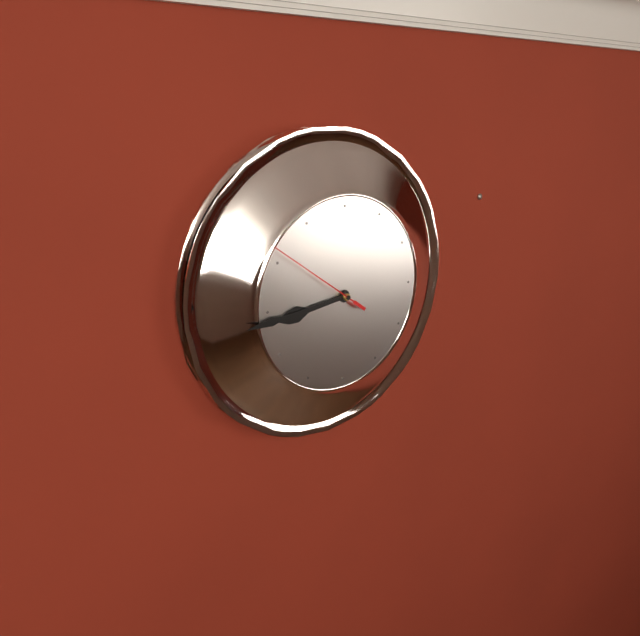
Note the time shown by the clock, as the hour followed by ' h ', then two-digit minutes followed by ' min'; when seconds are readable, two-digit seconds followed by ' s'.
8 h 44 min 51 s
